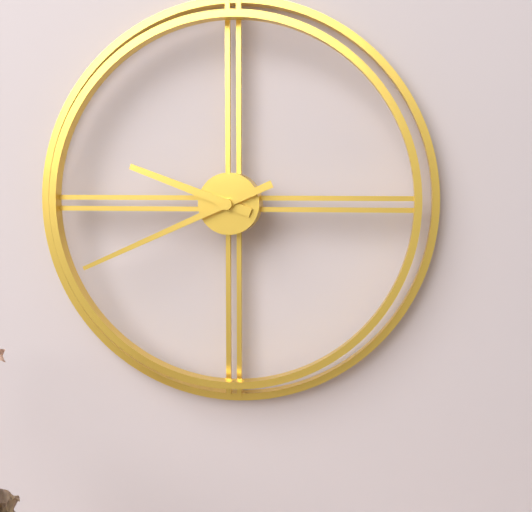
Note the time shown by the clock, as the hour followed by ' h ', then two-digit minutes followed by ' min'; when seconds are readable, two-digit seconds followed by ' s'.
9 h 41 min
